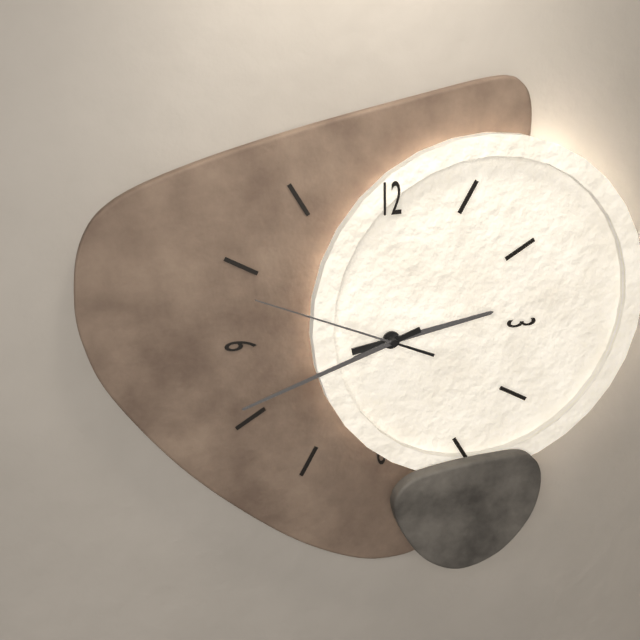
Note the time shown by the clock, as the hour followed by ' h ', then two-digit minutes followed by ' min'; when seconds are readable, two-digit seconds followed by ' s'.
2 h 42 min 49 s
